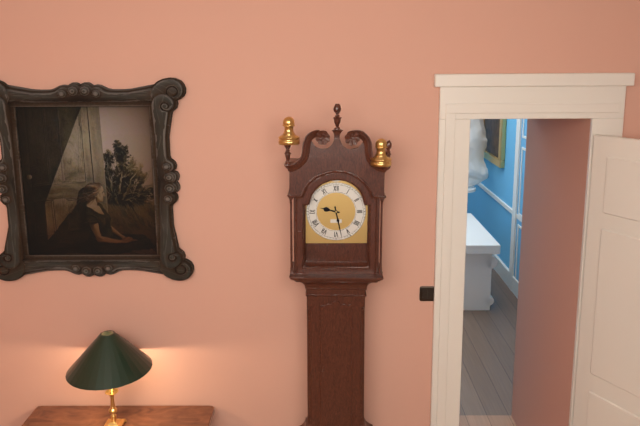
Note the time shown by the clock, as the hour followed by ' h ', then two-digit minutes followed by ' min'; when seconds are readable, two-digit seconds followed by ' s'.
9 h 28 min
